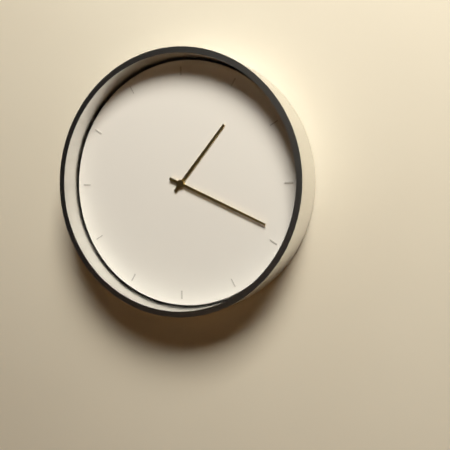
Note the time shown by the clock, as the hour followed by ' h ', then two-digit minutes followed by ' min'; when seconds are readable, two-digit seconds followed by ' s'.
1 h 19 min
